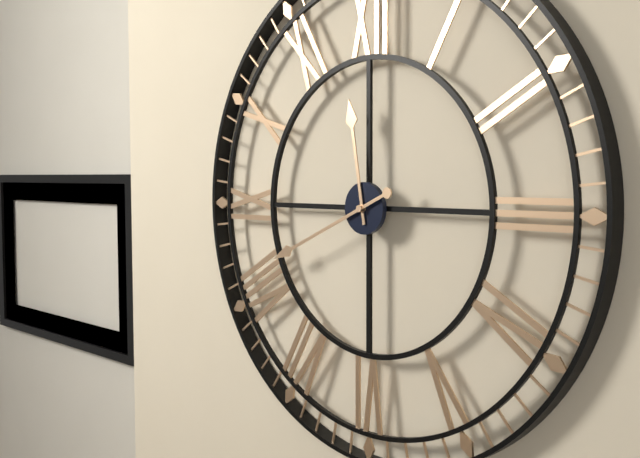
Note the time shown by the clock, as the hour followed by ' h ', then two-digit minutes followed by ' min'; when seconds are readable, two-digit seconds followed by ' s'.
11 h 41 min
